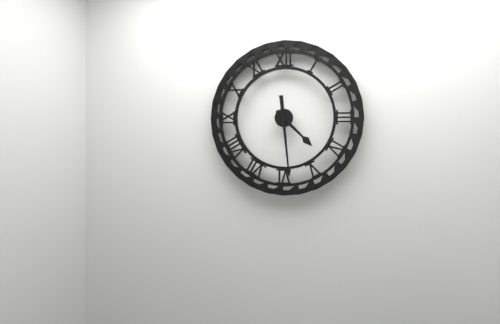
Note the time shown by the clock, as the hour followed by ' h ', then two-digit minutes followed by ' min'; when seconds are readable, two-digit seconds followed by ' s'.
4 h 29 min
